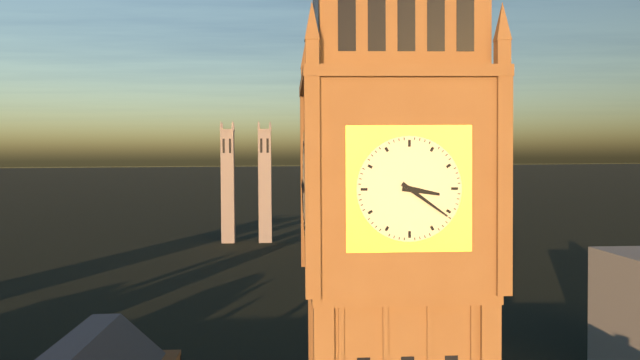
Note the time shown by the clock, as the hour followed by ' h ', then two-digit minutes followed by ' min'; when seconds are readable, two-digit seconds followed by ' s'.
3 h 21 min
